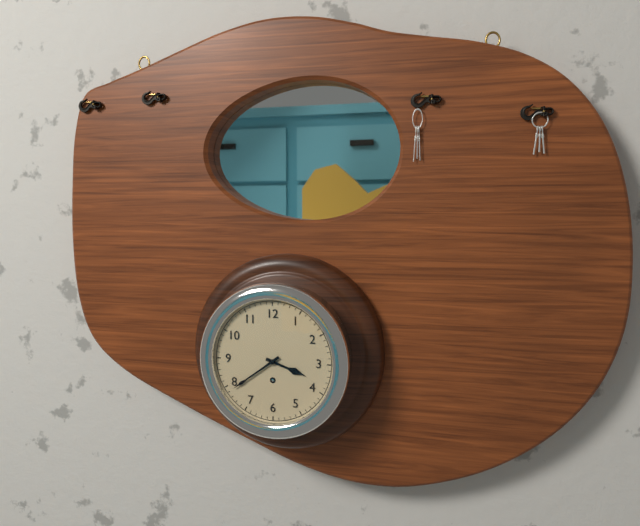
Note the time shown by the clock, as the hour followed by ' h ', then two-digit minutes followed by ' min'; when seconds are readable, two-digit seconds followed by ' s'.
3 h 39 min
